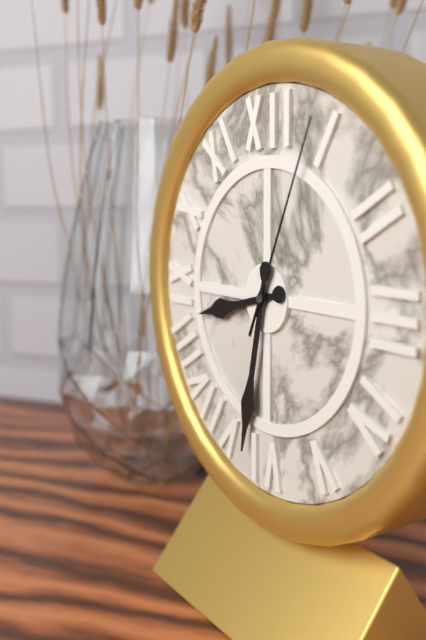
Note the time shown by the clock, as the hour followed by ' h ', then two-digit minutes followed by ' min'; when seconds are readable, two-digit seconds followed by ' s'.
8 h 32 min 04 s
